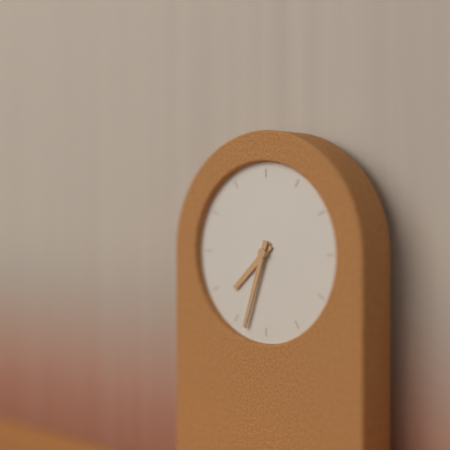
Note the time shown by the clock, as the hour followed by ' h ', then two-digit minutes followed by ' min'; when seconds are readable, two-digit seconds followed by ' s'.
7 h 33 min
